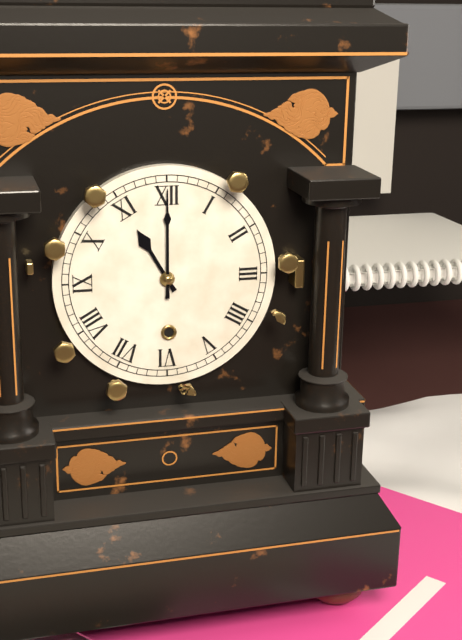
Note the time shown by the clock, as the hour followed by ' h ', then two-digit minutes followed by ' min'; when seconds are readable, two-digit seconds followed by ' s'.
11 h 00 min
